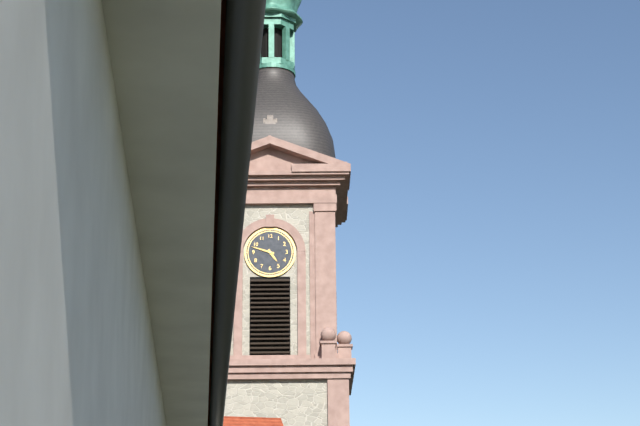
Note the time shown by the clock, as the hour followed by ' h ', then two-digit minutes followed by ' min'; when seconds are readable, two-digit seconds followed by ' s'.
4 h 48 min
